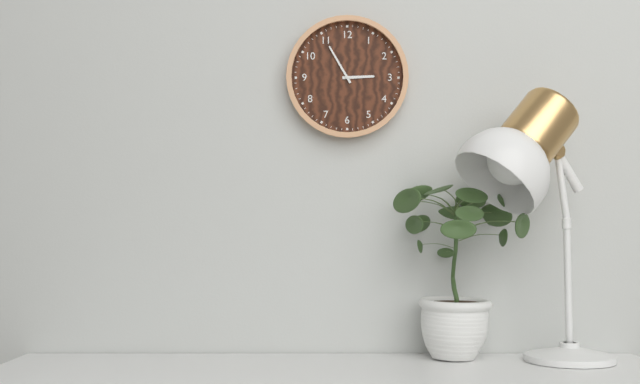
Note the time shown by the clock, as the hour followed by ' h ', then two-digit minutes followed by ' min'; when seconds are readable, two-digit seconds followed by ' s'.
2 h 55 min
